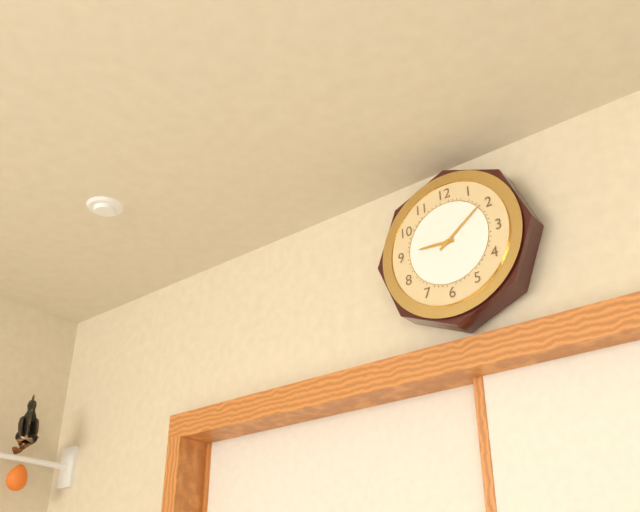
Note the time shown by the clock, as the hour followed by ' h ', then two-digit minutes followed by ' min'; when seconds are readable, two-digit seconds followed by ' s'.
9 h 09 min
